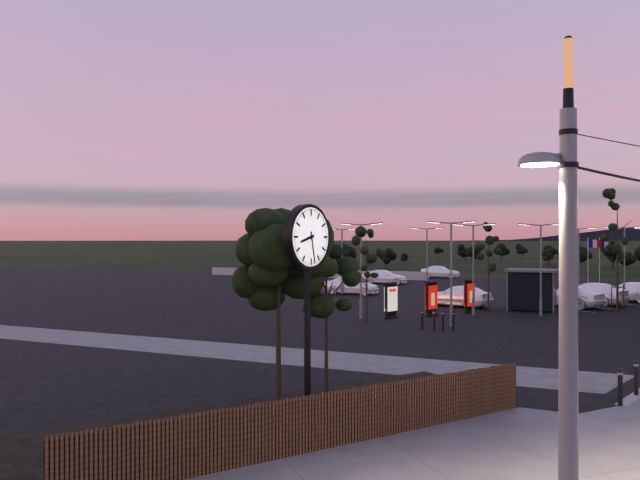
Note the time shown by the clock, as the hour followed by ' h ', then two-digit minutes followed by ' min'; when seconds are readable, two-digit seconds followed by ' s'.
8 h 28 min
